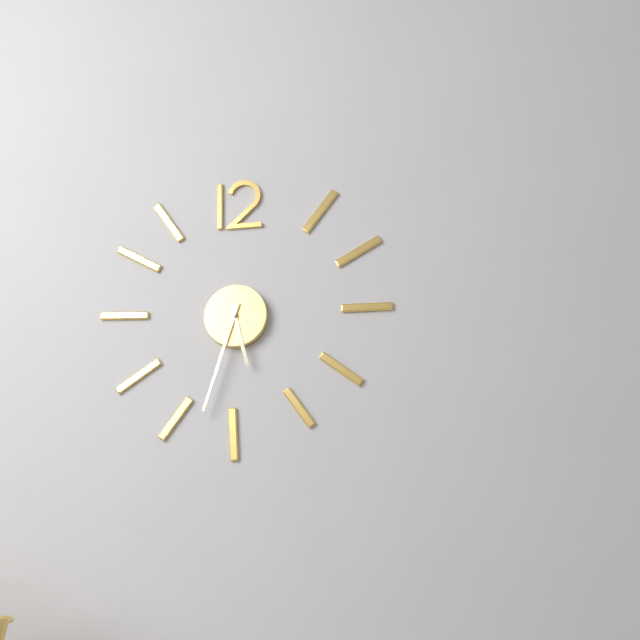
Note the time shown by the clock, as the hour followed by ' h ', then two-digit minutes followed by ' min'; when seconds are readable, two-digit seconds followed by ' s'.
5 h 33 min
